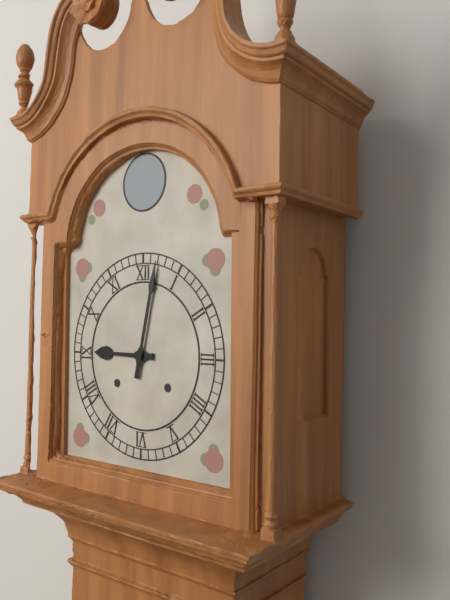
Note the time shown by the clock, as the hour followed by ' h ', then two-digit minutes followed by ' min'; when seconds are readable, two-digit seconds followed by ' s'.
9 h 02 min
